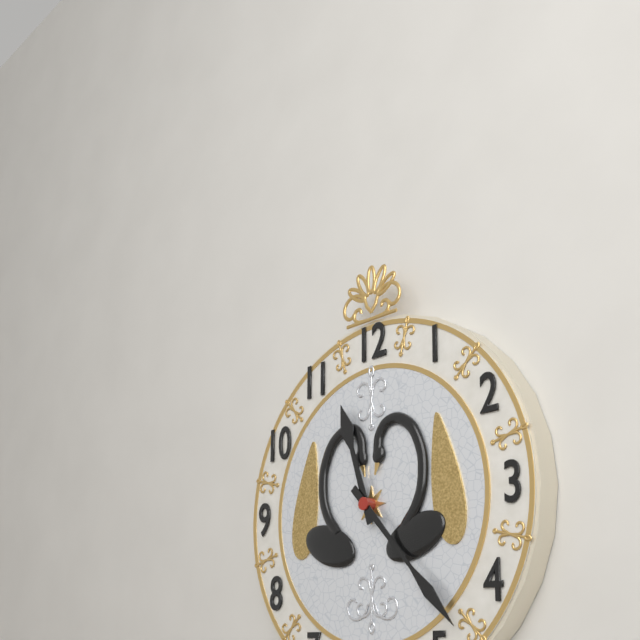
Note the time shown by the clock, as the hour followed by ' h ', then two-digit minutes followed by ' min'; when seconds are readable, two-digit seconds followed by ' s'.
11 h 23 min
